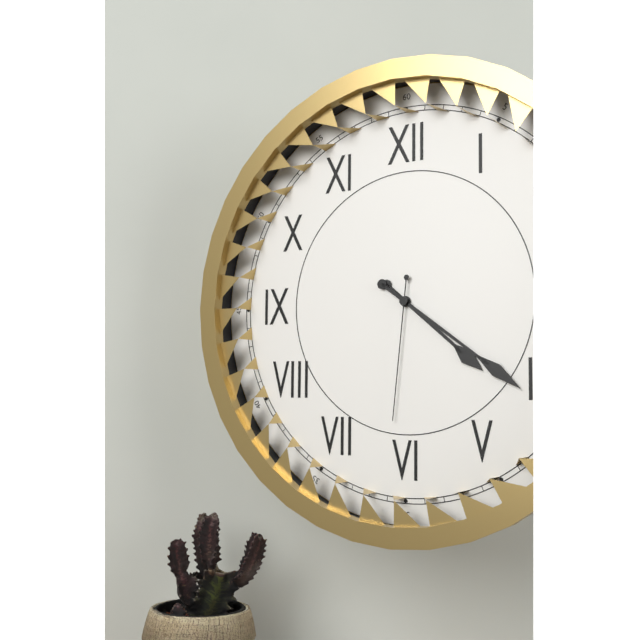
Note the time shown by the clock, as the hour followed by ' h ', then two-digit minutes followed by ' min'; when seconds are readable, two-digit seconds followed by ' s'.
4 h 21 min 31 s
